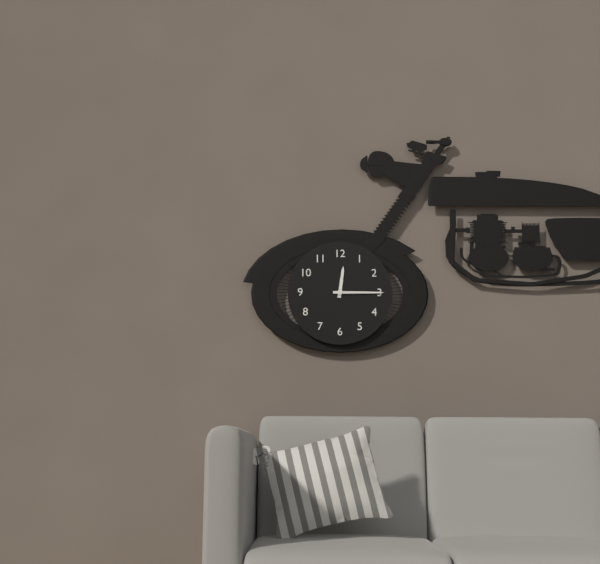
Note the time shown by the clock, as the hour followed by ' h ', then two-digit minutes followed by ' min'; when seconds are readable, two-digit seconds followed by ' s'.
12 h 15 min
